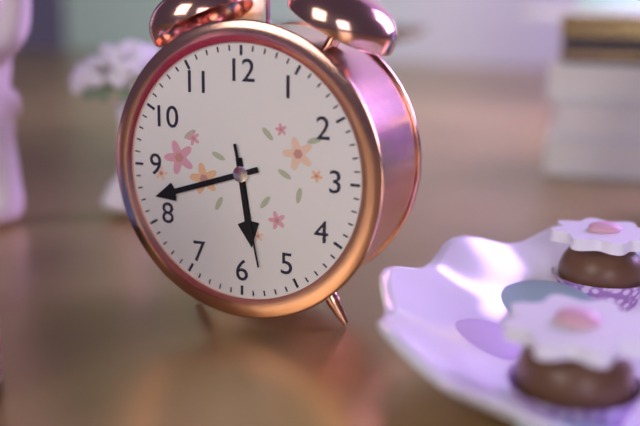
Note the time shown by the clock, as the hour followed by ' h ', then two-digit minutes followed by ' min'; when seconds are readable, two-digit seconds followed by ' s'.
5 h 42 min 28 s
